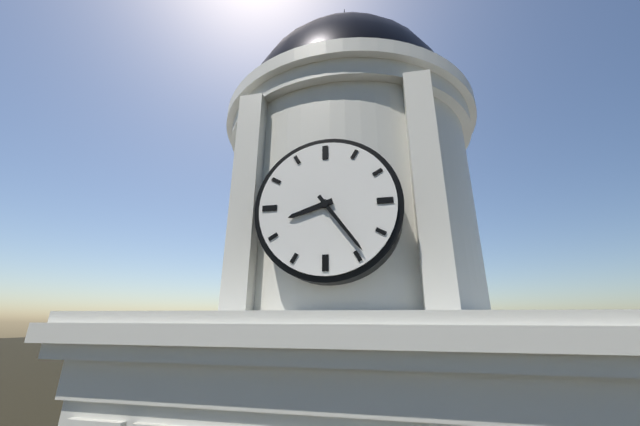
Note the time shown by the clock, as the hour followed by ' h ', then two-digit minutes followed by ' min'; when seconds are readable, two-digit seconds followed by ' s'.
8 h 24 min
